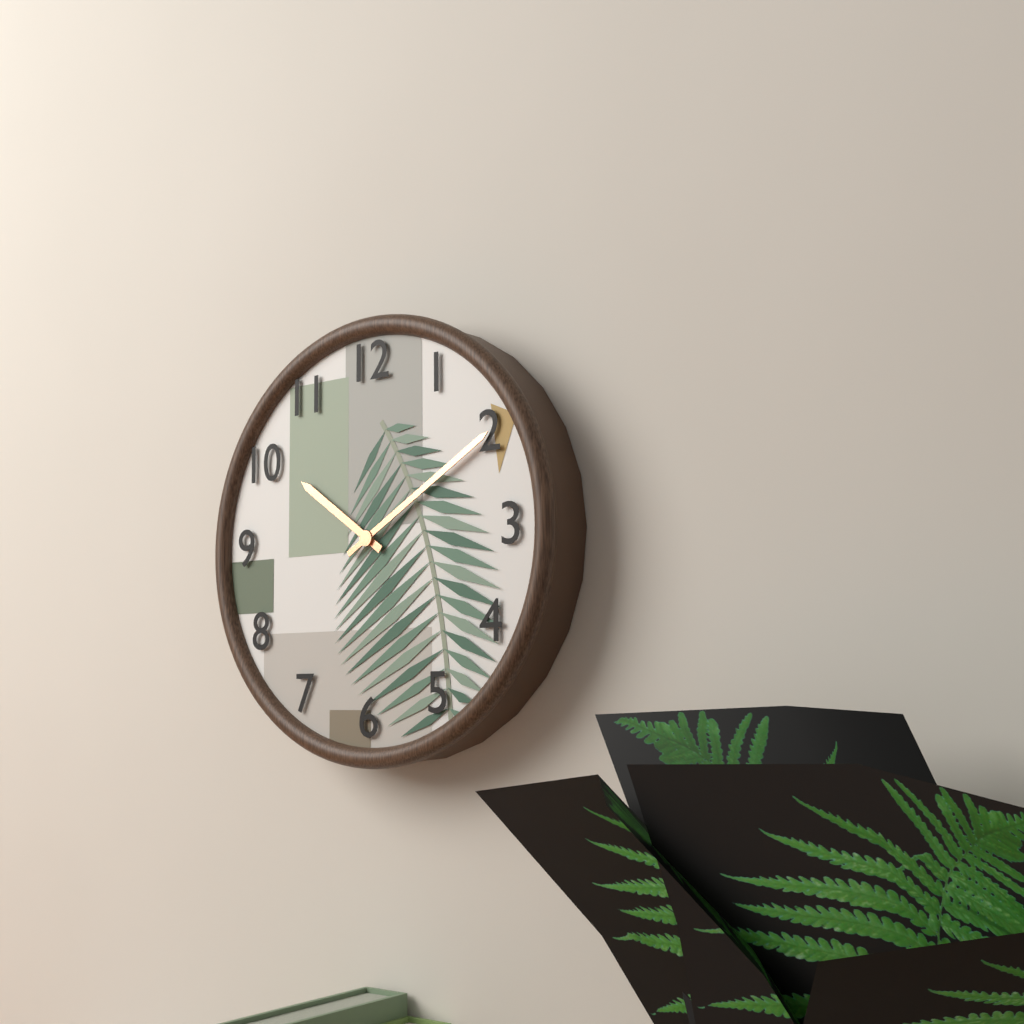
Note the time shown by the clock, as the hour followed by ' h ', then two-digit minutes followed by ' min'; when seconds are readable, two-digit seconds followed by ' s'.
10 h 10 min
